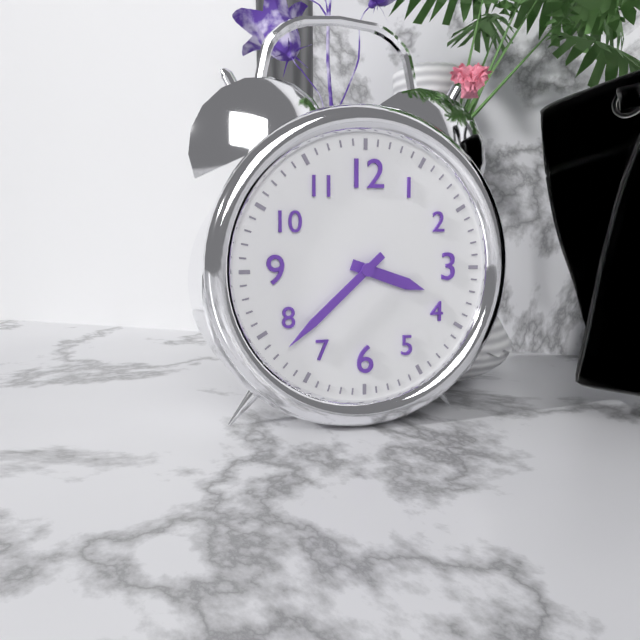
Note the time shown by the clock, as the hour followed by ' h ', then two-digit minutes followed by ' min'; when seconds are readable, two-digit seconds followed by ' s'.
3 h 38 min
